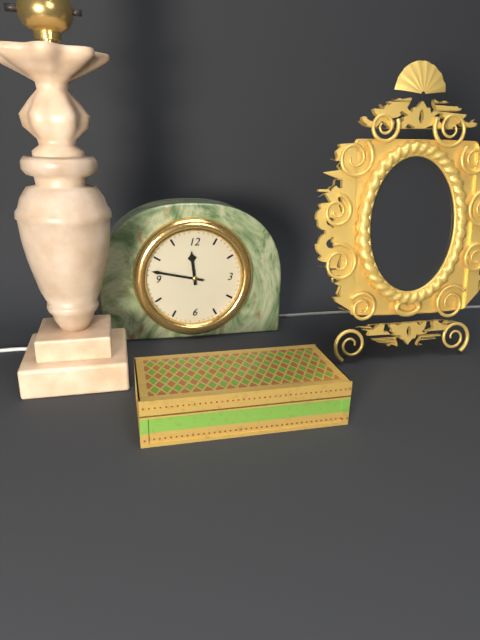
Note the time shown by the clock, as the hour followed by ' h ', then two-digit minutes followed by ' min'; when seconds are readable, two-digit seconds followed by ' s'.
11 h 47 min
